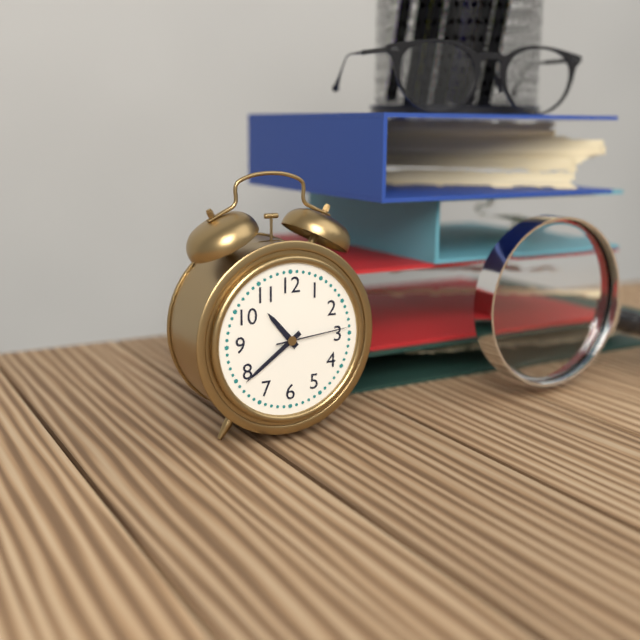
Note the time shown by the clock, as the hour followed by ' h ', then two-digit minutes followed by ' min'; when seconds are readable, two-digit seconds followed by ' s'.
10 h 39 min 14 s
